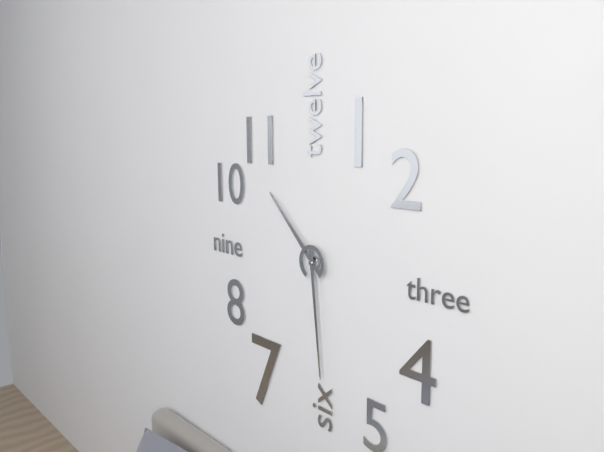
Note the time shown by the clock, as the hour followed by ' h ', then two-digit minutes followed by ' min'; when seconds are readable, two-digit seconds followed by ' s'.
10 h 29 min
